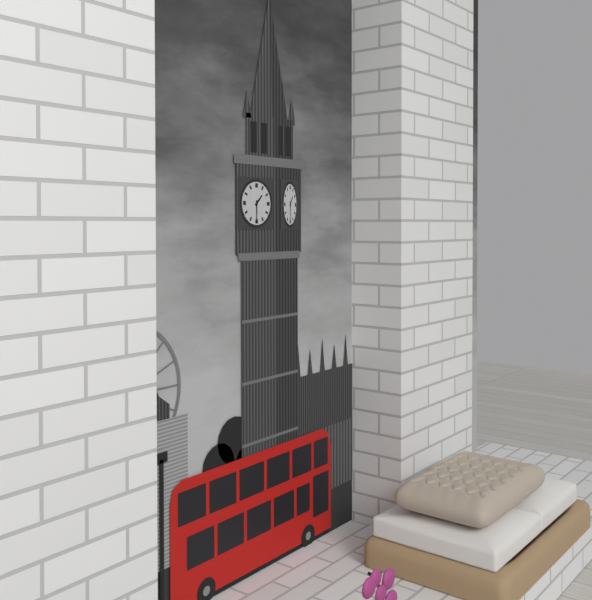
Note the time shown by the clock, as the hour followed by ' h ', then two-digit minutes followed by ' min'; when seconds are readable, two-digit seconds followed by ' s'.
1 h 30 min
